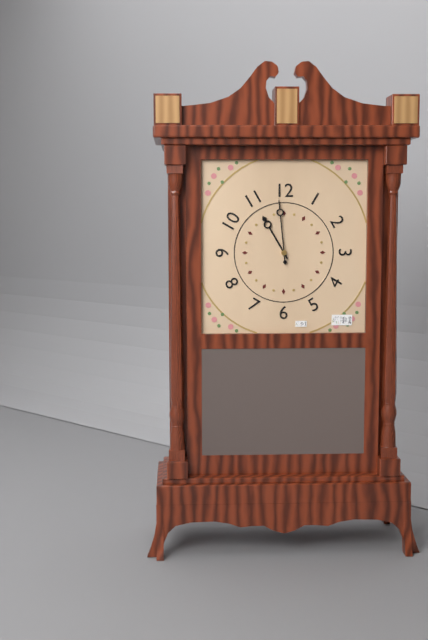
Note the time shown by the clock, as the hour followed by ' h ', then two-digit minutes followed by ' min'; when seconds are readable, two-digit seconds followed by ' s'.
10 h 59 min
